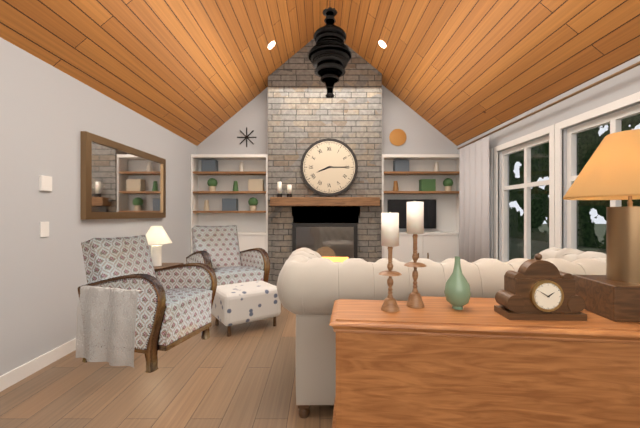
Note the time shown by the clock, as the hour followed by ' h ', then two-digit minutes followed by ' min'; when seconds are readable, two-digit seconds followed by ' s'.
8 h 15 min
